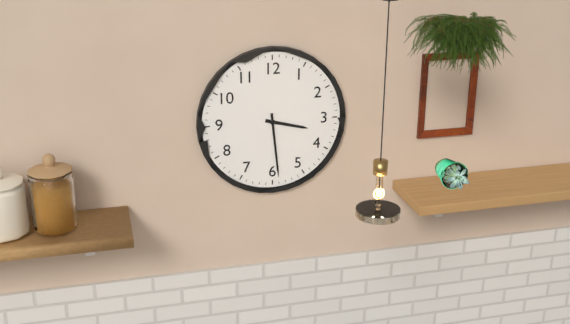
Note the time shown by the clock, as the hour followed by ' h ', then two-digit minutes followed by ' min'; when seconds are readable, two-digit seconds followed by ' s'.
3 h 29 min
